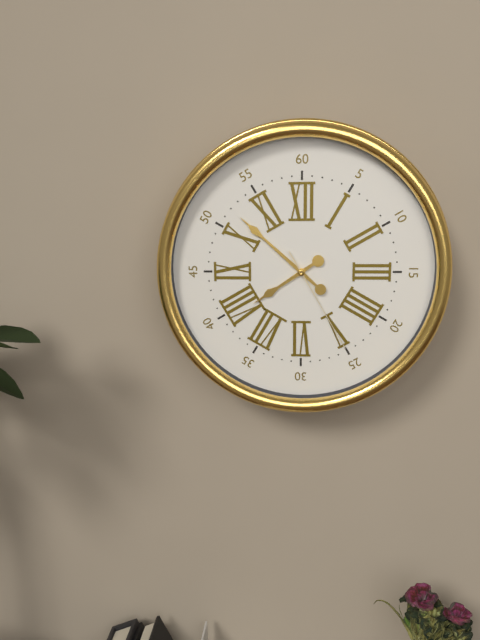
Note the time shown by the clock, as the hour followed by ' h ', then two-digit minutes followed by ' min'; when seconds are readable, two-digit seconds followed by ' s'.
7 h 52 min 25 s
